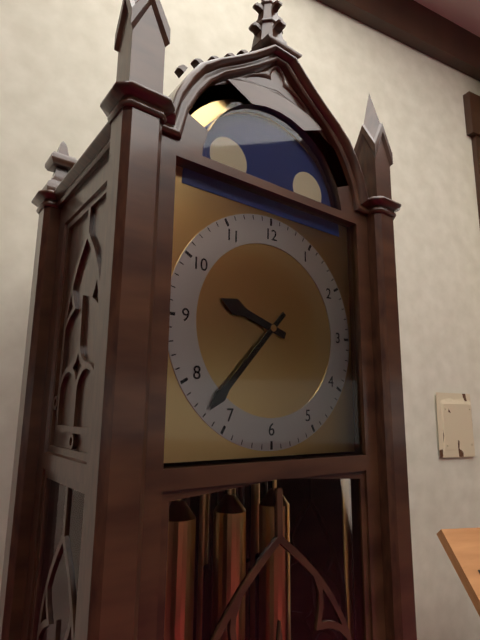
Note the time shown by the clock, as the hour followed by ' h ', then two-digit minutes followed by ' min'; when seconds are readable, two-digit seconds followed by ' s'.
9 h 37 min
